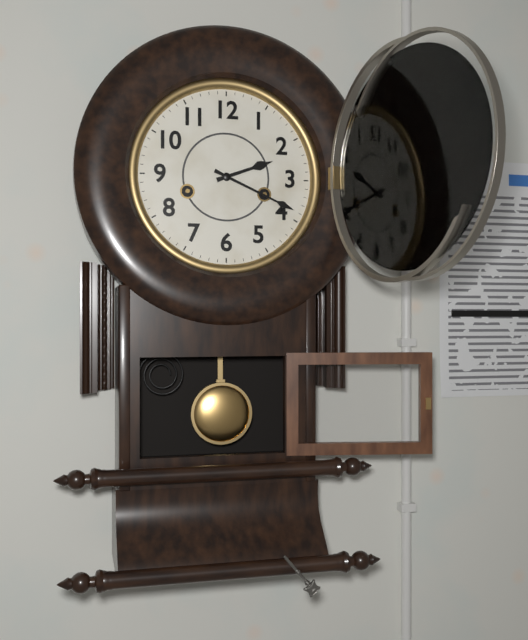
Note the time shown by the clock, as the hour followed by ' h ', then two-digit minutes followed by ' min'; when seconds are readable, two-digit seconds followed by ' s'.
2 h 19 min
